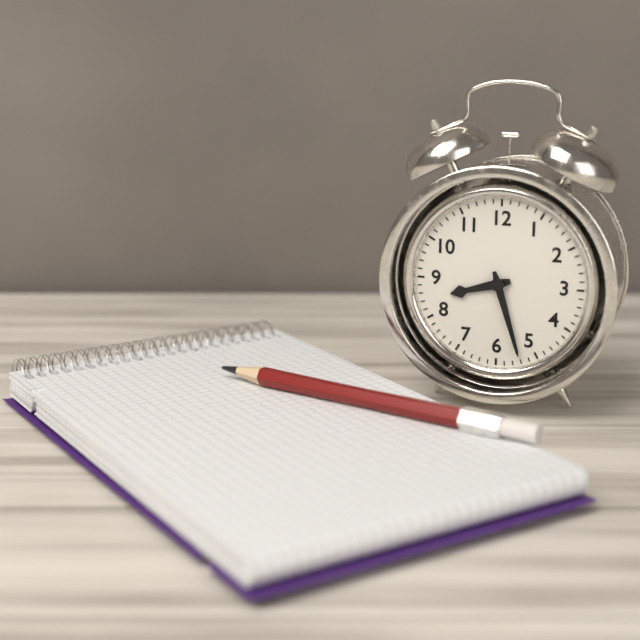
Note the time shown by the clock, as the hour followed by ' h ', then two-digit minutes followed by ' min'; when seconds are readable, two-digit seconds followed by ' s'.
8 h 27 min
